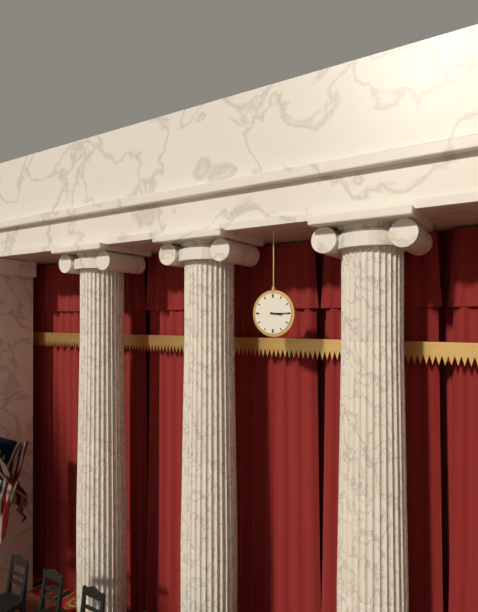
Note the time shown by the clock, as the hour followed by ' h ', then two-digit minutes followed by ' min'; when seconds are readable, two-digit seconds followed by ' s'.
3 h 15 min
